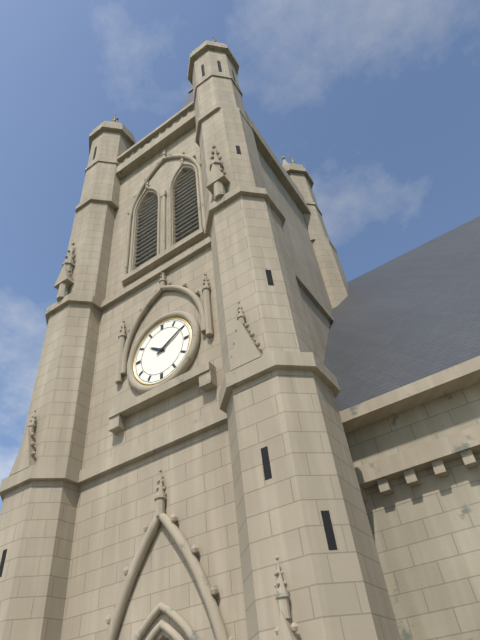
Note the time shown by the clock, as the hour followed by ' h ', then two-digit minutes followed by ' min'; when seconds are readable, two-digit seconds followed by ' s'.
10 h 10 min
